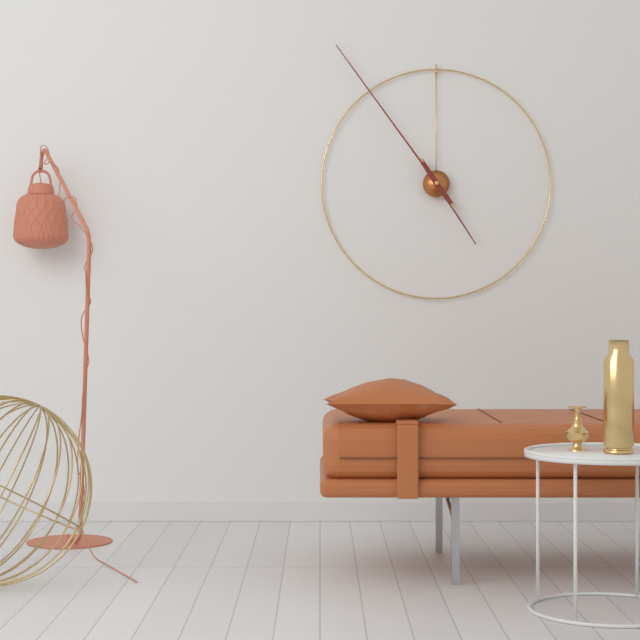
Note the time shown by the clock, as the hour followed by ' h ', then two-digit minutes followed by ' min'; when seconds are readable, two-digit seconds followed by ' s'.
4 h 54 min
